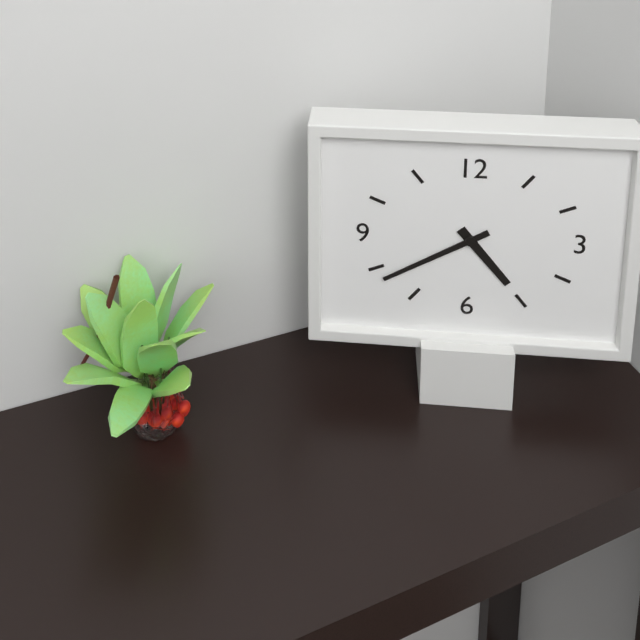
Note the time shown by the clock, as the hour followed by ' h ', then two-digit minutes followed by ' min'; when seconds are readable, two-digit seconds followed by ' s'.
4 h 40 min
